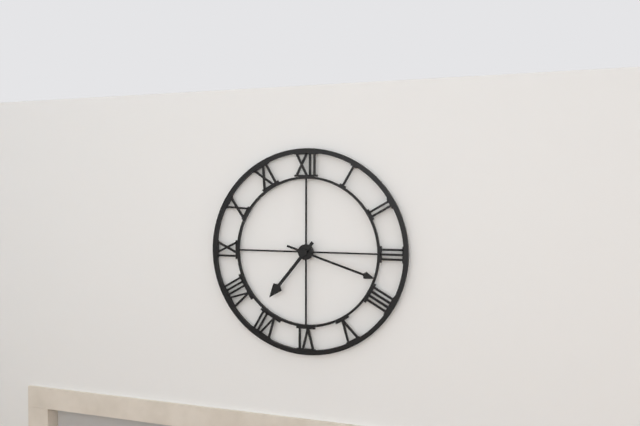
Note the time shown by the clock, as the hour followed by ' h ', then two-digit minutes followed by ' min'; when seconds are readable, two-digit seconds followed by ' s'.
7 h 18 min
